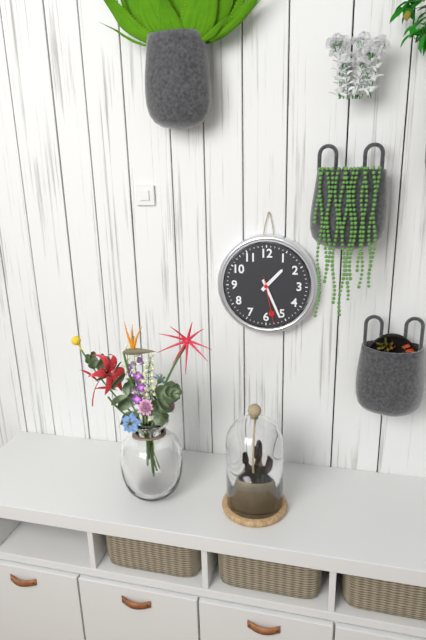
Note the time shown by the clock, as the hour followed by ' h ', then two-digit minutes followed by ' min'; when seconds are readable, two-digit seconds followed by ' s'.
1 h 26 min
